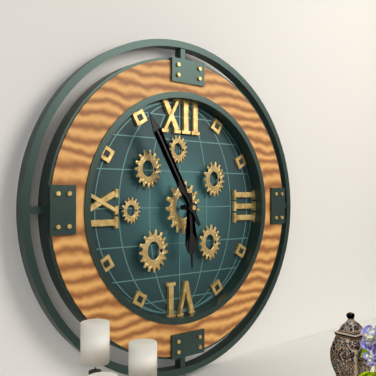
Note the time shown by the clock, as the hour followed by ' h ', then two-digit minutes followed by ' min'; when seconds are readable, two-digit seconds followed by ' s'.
5 h 55 min
